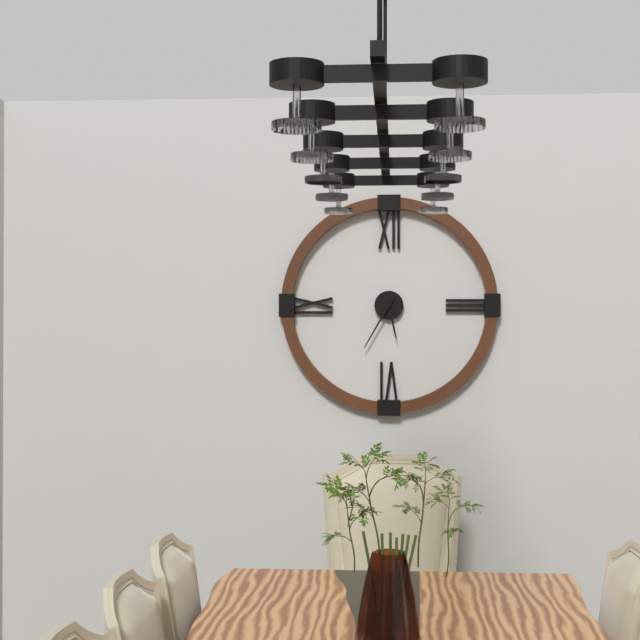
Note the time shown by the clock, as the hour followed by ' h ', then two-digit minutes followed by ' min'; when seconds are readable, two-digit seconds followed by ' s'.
5 h 35 min
